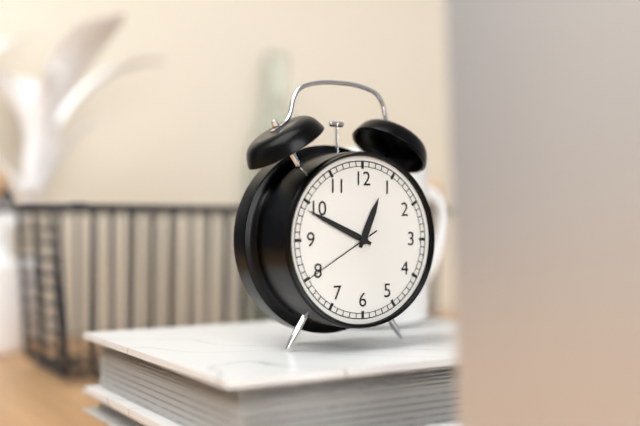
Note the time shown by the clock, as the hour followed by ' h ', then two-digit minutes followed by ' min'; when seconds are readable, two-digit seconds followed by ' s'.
12 h 49 min 40 s
